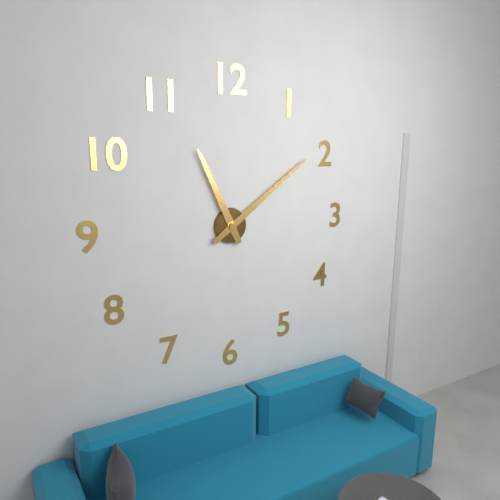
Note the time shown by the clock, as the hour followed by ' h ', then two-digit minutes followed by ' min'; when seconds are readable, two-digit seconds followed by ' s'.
11 h 09 min
